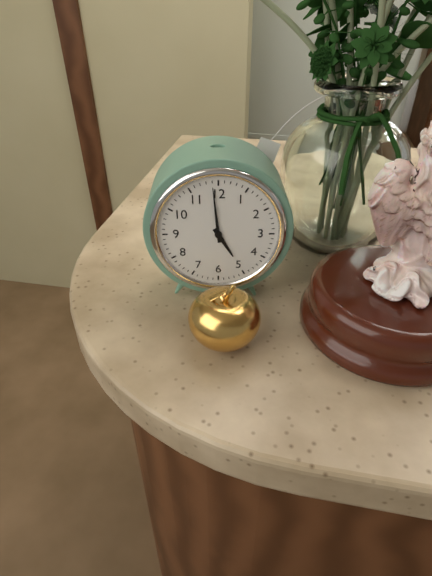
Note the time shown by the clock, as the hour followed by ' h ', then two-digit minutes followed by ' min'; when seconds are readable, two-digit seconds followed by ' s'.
4 h 59 min
